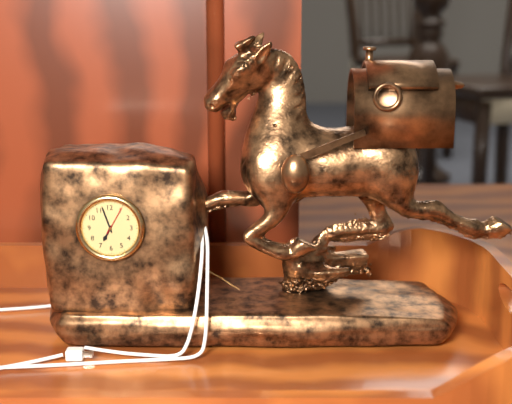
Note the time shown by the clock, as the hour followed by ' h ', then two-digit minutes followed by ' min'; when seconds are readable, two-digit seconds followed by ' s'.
6 h 57 min
